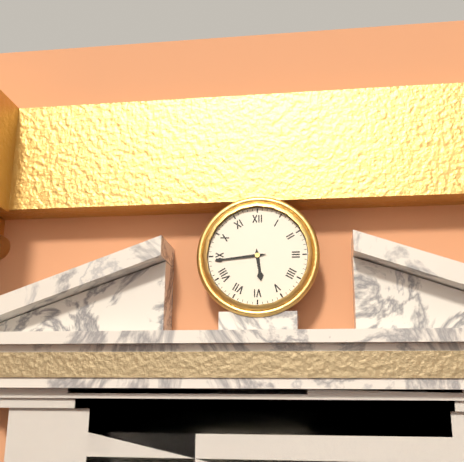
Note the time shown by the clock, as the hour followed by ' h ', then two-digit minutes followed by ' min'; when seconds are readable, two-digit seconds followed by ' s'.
5 h 44 min
